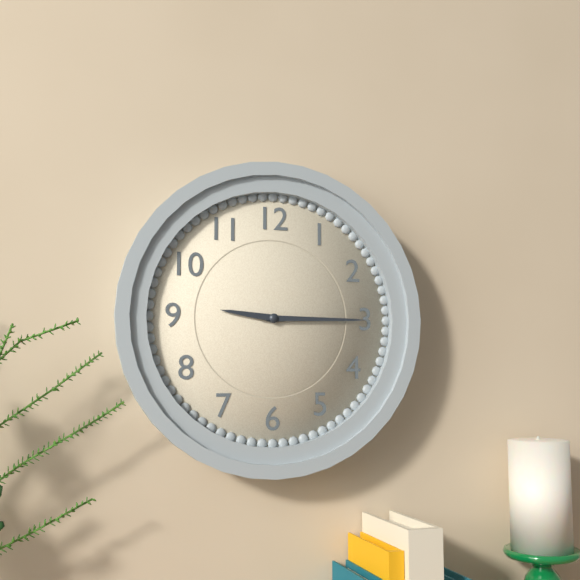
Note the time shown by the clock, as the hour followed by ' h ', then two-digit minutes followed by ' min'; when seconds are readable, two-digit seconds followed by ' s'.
9 h 15 min
